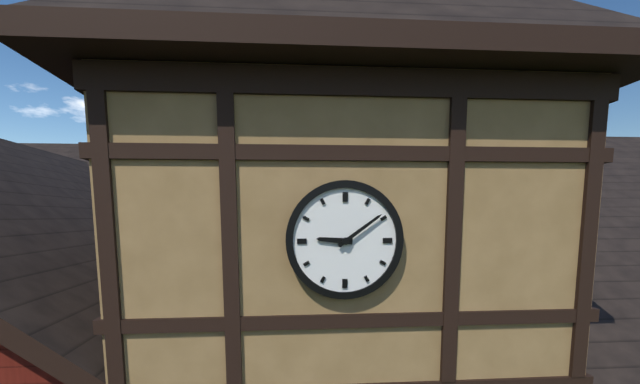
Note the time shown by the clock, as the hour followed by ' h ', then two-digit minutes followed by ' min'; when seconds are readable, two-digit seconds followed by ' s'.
9 h 09 min
